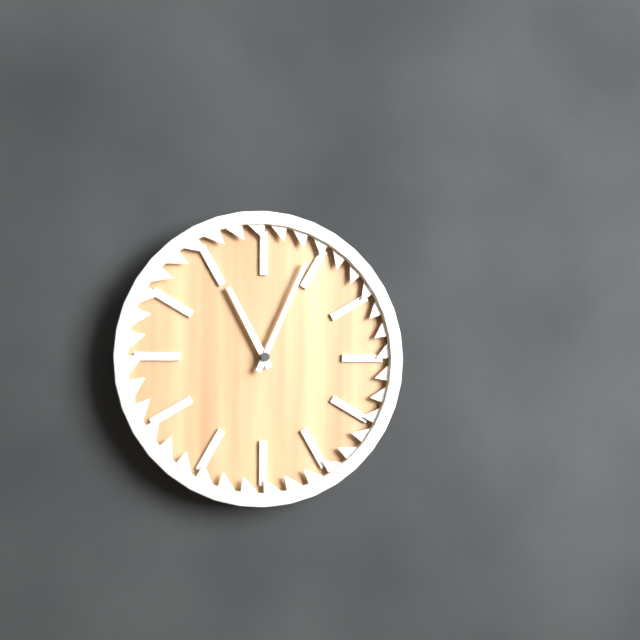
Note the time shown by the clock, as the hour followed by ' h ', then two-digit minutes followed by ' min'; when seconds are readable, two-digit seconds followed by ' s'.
11 h 04 min
